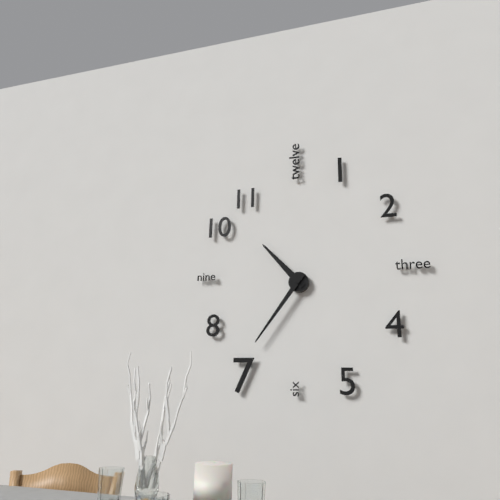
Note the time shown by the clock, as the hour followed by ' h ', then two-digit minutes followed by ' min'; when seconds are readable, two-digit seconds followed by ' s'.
10 h 36 min
